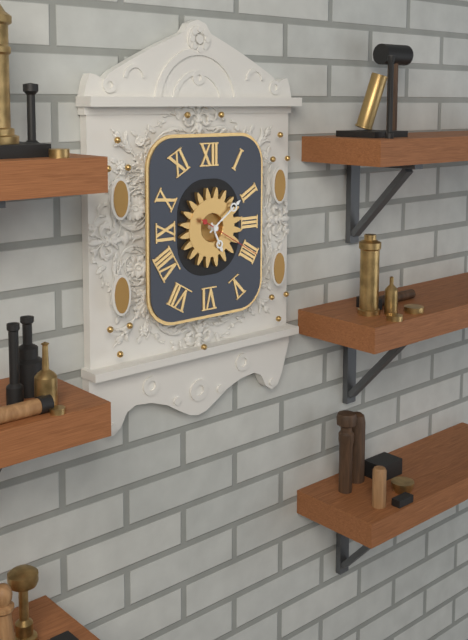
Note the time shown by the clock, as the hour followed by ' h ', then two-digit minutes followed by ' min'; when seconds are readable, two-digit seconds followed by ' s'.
5 h 09 min 20 s
